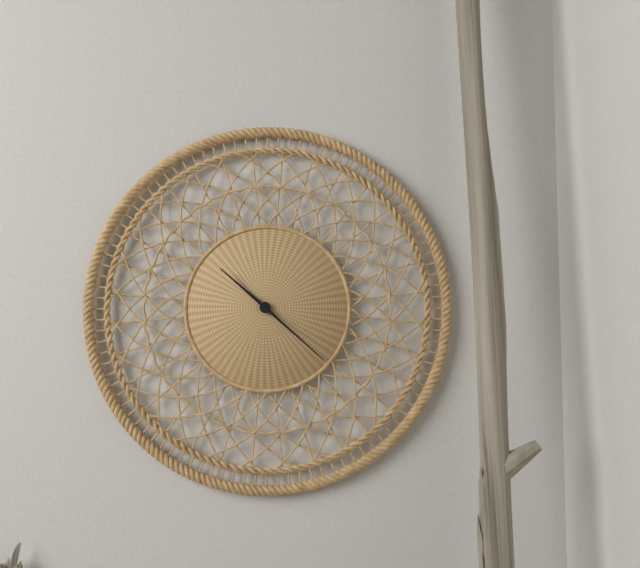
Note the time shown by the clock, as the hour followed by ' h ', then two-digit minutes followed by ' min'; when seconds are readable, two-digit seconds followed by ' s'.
10 h 22 min
